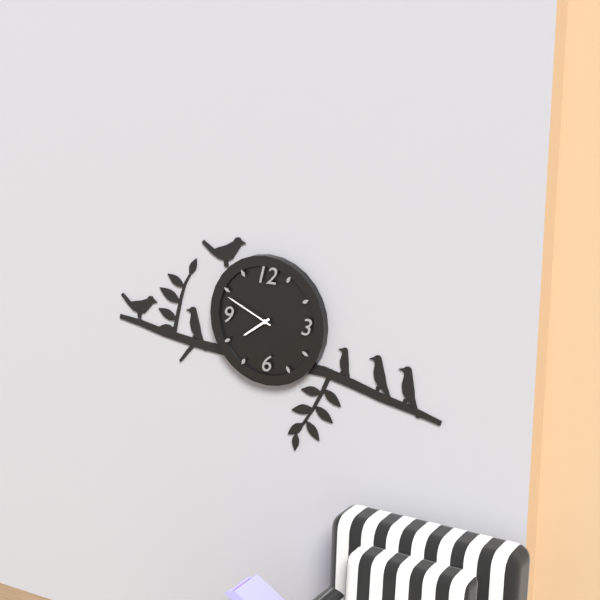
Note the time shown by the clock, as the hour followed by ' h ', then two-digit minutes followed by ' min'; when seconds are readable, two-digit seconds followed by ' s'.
7 h 49 min
